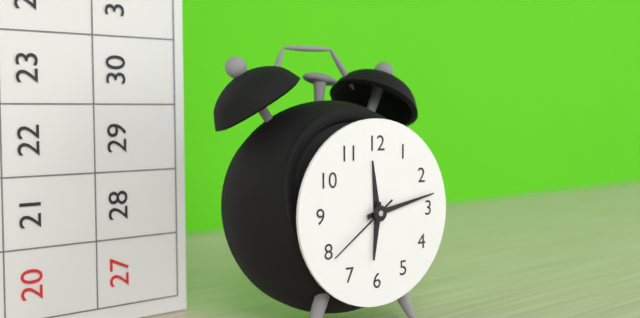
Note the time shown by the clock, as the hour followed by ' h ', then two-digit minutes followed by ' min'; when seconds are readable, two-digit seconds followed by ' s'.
6 h 13 min 39 s
